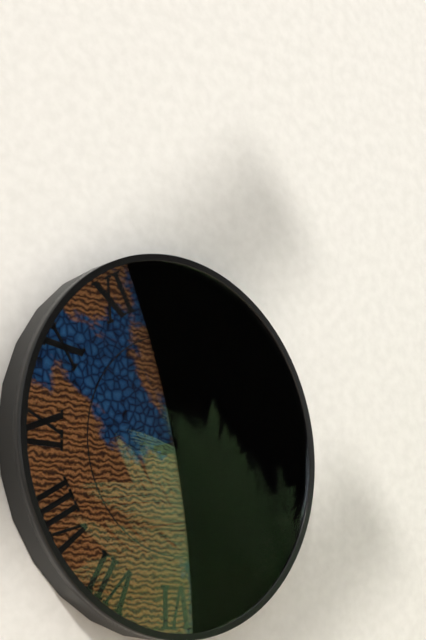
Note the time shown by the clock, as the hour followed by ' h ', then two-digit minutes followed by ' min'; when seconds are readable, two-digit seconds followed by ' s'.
2 h 13 min
